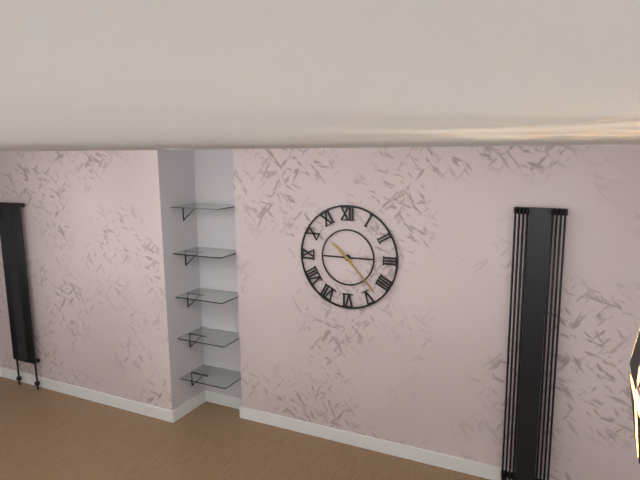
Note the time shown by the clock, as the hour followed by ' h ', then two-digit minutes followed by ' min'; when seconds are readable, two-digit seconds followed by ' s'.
10 h 23 min
